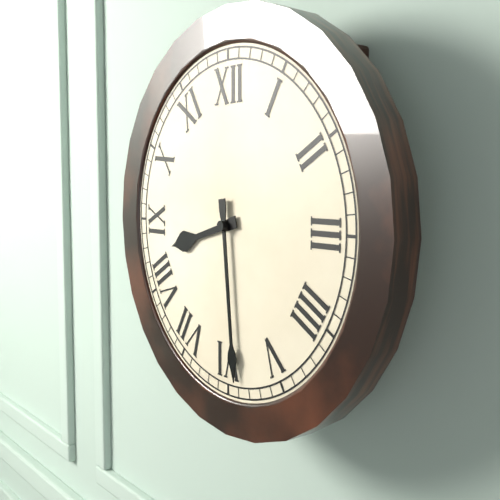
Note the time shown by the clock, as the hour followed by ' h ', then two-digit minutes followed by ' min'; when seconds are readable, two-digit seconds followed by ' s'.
8 h 29 min
